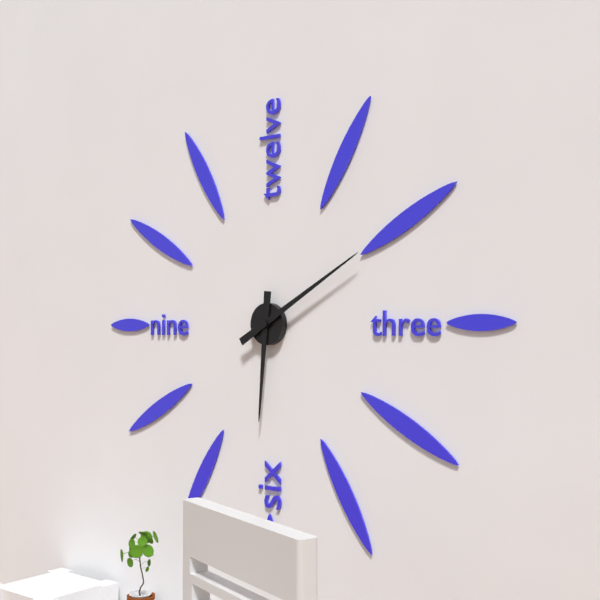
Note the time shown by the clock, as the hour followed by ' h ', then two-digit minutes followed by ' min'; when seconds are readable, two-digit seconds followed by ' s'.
6 h 10 min
